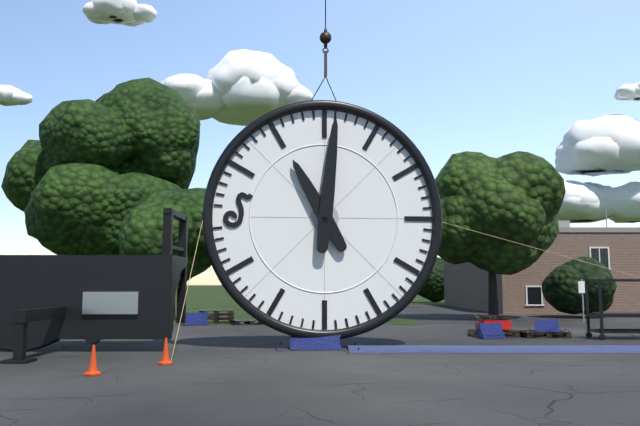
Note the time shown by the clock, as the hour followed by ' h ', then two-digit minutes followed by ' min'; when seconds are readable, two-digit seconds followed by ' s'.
11 h 01 min
